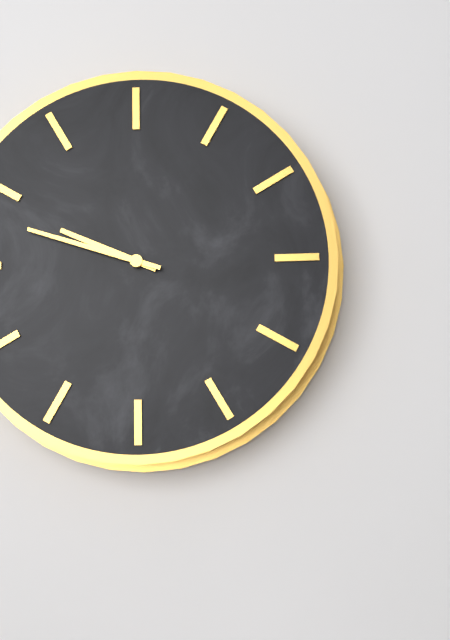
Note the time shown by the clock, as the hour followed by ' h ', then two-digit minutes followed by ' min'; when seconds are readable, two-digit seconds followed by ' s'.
9 h 48 min
